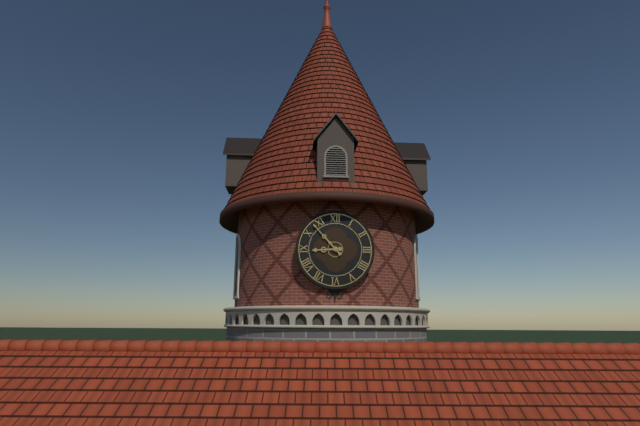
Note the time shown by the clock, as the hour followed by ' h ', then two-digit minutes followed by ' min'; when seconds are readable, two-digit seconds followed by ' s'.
8 h 53 min
